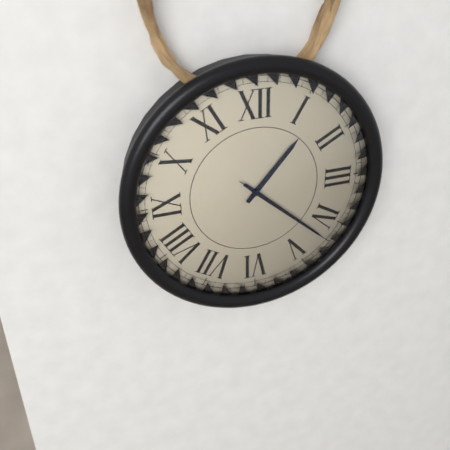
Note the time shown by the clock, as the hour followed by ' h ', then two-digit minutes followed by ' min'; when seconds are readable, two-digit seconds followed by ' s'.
1 h 22 min 22 s
